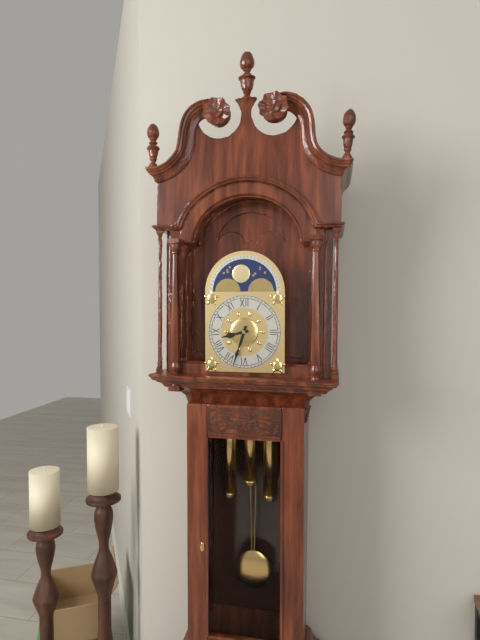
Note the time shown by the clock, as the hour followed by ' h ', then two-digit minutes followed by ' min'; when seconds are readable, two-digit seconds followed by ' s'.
8 h 33 min
